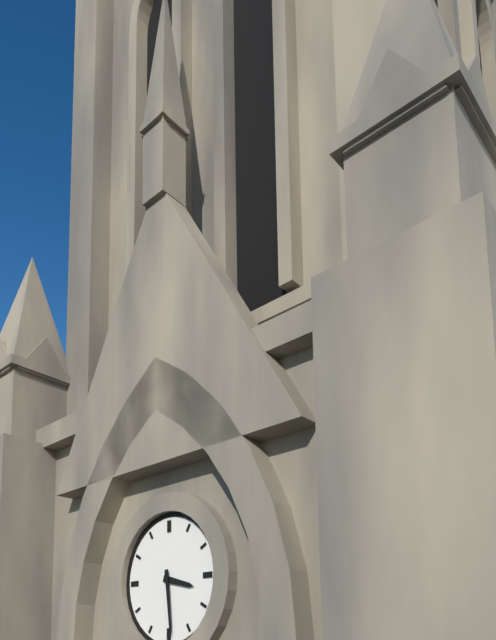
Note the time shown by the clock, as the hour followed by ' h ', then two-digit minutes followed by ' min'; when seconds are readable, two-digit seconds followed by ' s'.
3 h 29 min
